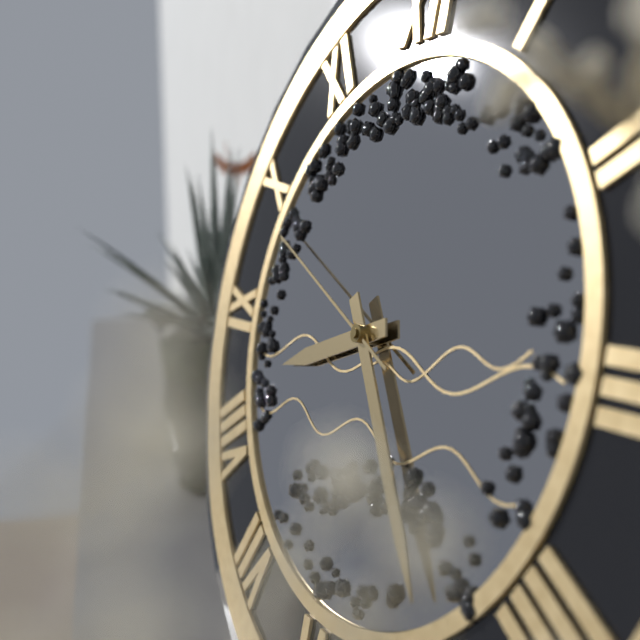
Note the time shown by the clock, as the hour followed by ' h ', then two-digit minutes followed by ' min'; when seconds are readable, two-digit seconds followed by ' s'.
8 h 24 min 49 s
